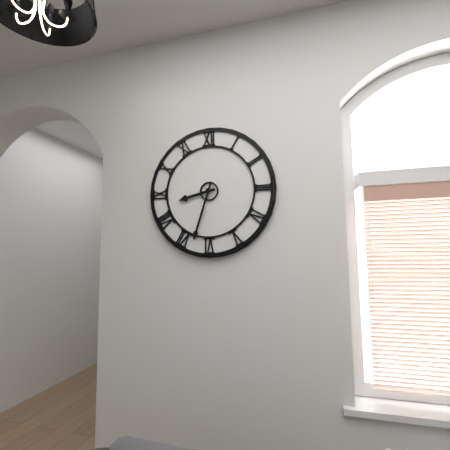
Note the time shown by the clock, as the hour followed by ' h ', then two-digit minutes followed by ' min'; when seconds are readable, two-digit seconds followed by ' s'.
8 h 33 min
